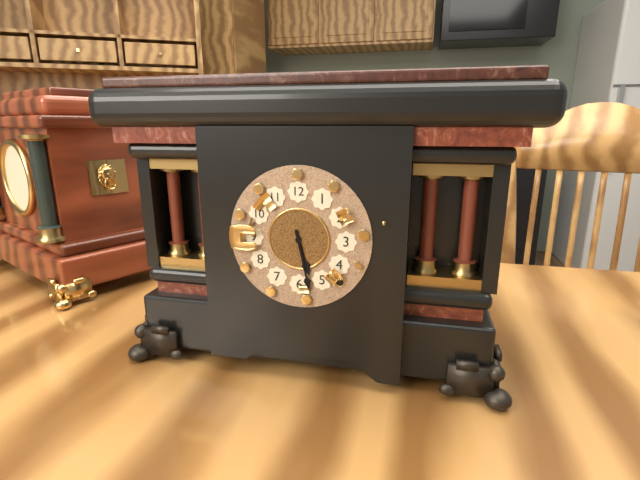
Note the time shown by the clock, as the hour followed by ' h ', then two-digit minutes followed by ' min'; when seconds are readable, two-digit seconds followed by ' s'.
5 h 28 min
